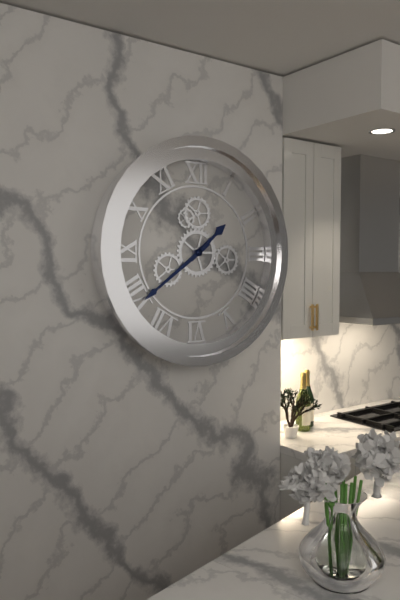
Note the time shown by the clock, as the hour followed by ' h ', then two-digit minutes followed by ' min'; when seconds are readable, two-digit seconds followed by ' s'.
1 h 39 min
